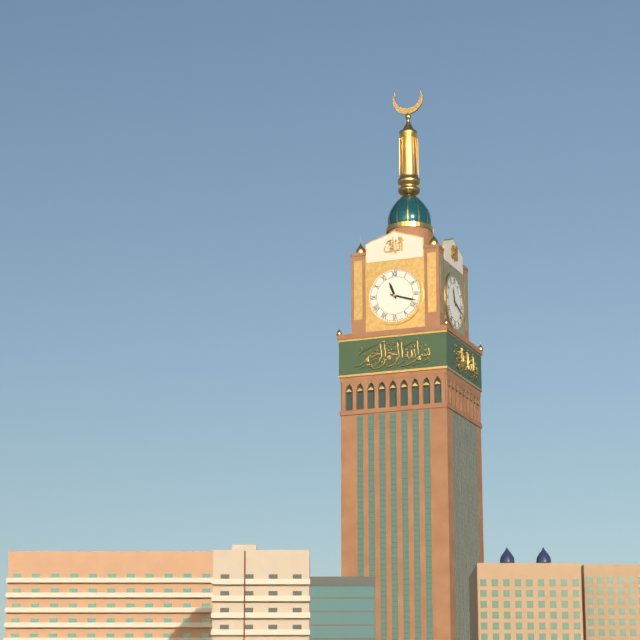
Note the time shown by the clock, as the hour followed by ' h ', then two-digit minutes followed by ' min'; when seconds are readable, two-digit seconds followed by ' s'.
11 h 18 min
